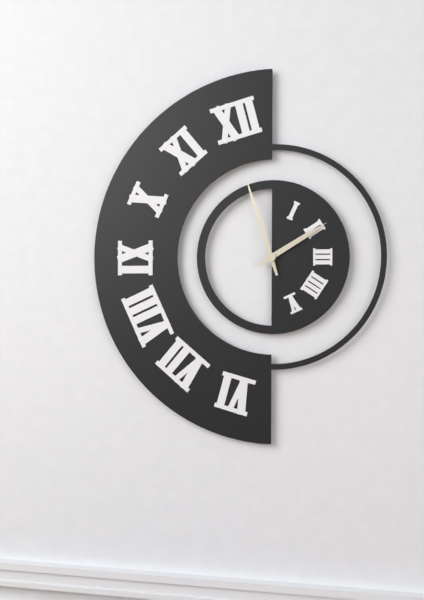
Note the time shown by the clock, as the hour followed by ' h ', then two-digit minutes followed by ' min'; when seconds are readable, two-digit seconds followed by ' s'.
1 h 57 min
